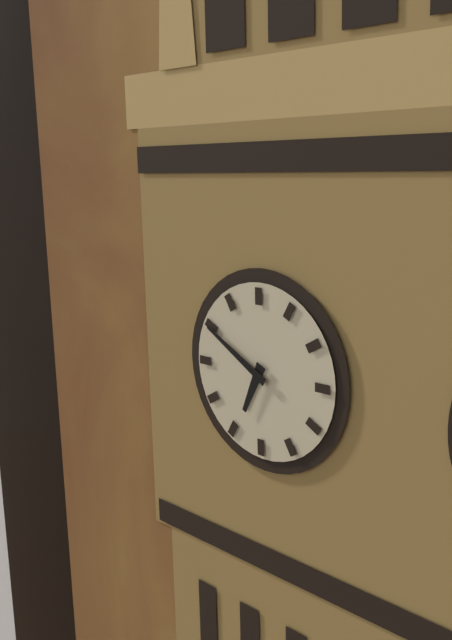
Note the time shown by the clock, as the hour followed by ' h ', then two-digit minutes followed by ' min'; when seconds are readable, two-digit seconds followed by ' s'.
6 h 50 min
